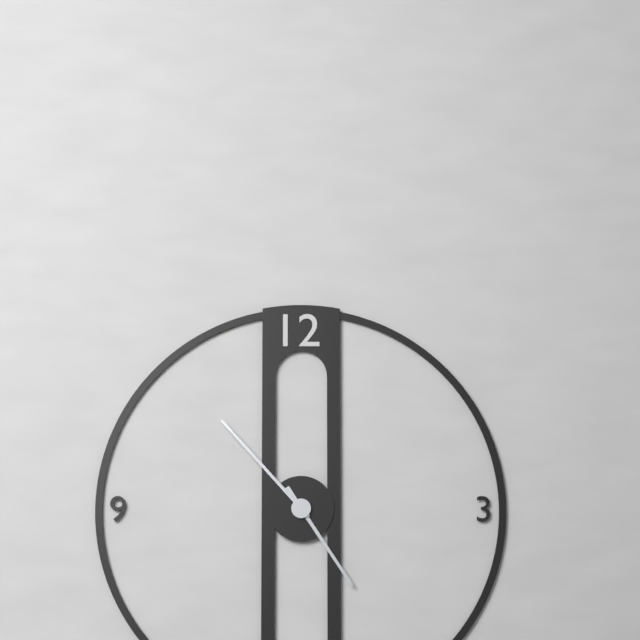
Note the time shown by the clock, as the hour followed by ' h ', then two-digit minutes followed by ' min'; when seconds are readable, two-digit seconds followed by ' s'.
4 h 53 min
